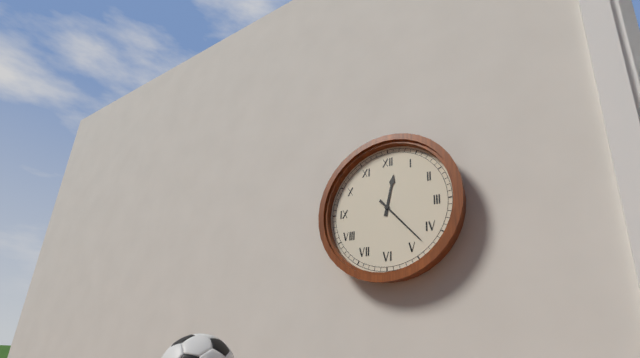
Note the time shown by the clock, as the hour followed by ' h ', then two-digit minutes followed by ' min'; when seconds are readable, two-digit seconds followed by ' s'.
12 h 23 min
